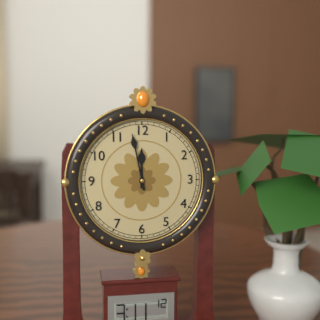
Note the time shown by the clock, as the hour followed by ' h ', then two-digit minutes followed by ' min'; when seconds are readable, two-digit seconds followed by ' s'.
11 h 58 min
